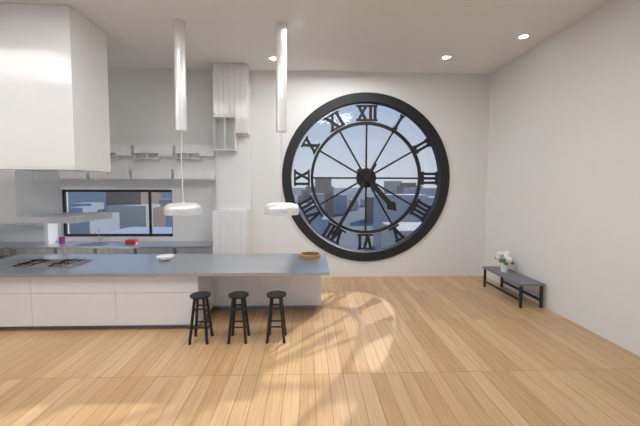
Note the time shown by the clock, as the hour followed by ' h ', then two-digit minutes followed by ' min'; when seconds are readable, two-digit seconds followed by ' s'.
4 h 35 min
